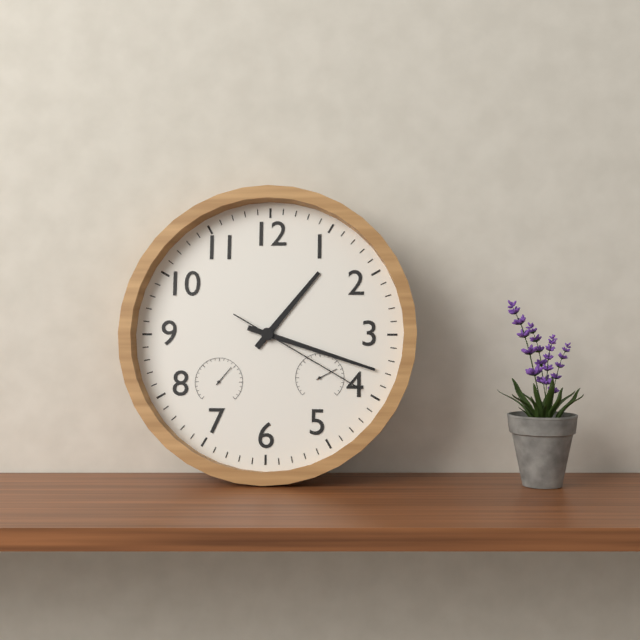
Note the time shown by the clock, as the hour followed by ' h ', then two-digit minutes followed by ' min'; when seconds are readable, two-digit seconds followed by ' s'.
1 h 18 min 20 s
